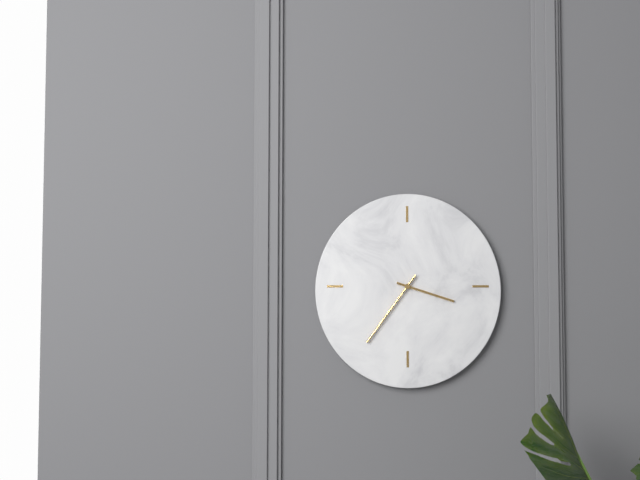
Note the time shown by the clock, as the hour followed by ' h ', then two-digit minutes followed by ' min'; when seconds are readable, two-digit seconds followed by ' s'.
3 h 36 min
